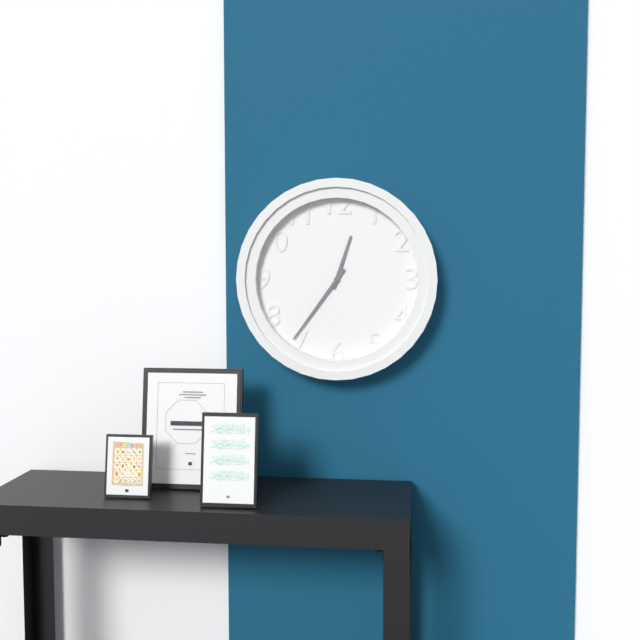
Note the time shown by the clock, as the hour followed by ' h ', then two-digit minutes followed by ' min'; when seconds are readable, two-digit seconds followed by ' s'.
12 h 36 min
